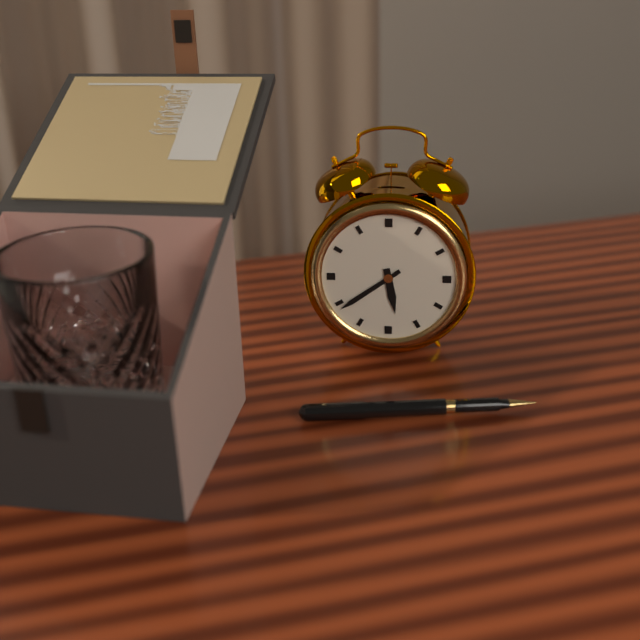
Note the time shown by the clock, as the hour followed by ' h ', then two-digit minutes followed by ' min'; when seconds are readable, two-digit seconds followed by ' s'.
5 h 39 min
